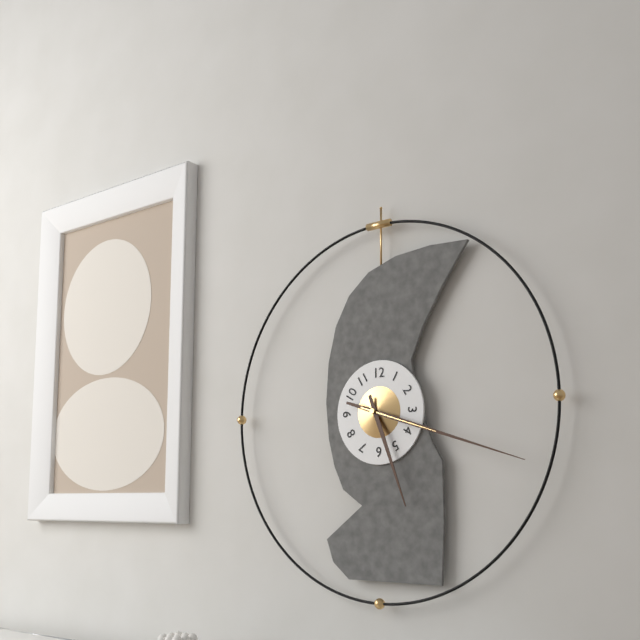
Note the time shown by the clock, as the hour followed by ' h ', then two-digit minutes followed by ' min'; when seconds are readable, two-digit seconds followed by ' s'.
5 h 18 min 18 s
